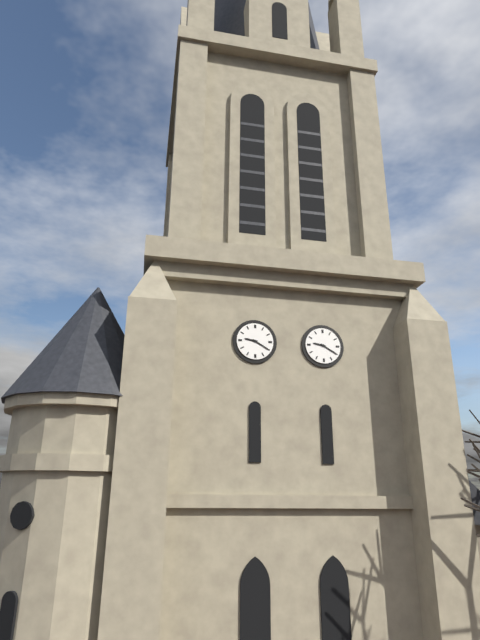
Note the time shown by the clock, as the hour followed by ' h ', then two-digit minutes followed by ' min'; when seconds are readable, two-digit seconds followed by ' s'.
9 h 20 min
